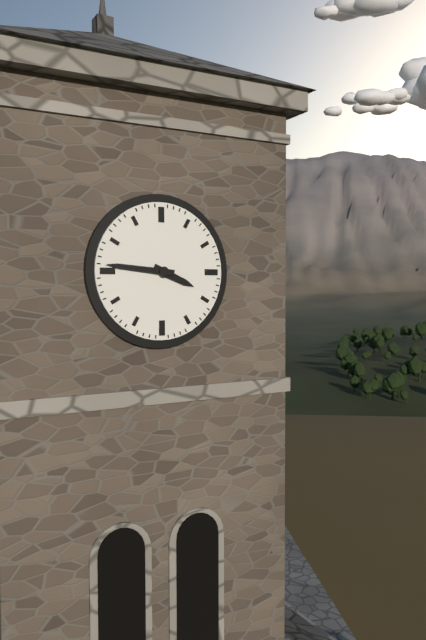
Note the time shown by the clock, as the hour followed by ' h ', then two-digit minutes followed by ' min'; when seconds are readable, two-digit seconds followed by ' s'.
3 h 46 min
